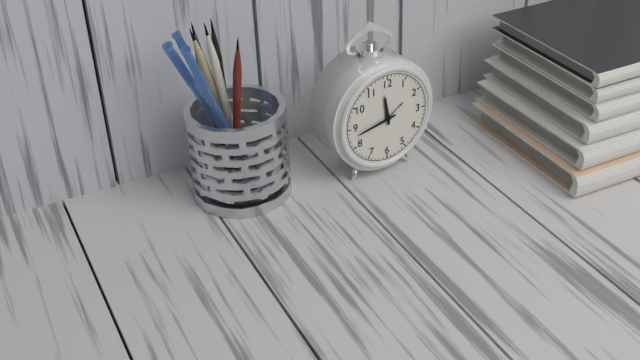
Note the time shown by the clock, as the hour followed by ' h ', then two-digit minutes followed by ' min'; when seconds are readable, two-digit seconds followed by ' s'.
11 h 43 min
